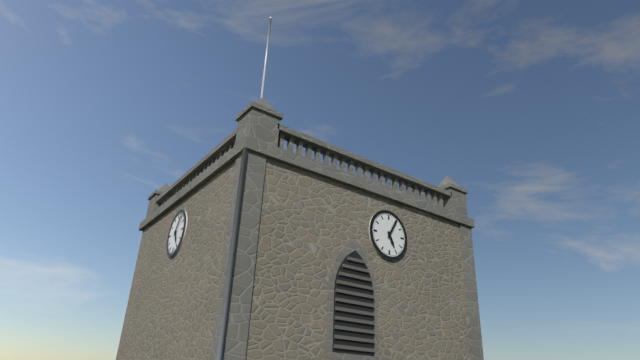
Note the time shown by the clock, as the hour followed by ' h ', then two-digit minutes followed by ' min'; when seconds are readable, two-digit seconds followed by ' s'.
5 h 05 min
